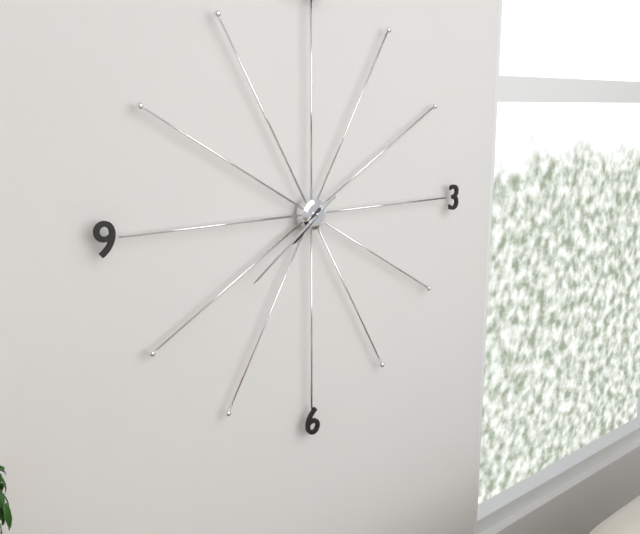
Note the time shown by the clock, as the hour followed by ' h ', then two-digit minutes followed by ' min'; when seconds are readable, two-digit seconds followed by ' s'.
7 h 39 min
